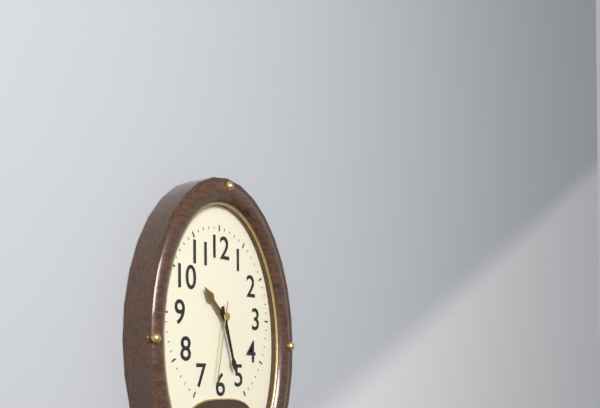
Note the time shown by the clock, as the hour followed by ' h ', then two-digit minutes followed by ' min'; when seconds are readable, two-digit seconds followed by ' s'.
10 h 27 min 32 s
